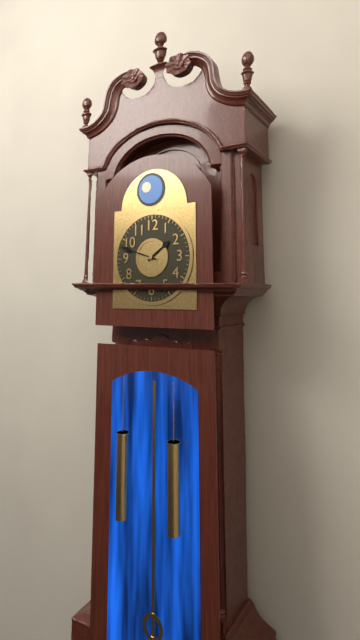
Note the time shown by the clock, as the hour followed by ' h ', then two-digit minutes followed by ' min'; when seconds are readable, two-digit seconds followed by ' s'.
1 h 48 min
